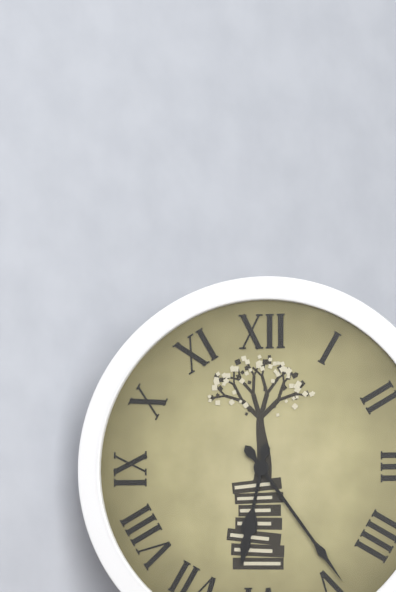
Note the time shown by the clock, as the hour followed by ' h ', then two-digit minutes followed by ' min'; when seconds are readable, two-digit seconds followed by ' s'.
6 h 24 min
